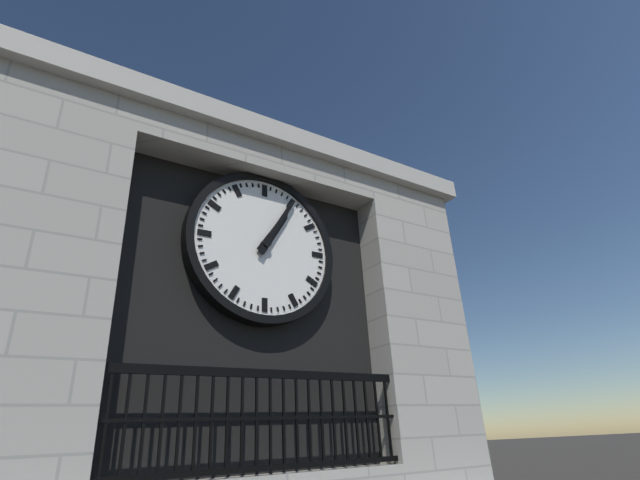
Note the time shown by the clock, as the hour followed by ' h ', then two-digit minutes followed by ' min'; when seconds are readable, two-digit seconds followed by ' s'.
1 h 05 min
